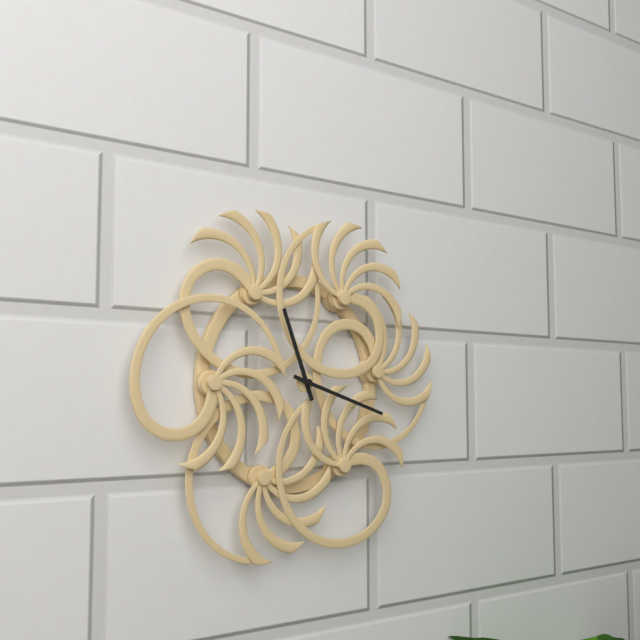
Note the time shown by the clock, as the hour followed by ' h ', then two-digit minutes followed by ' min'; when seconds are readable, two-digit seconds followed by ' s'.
11 h 18 min
